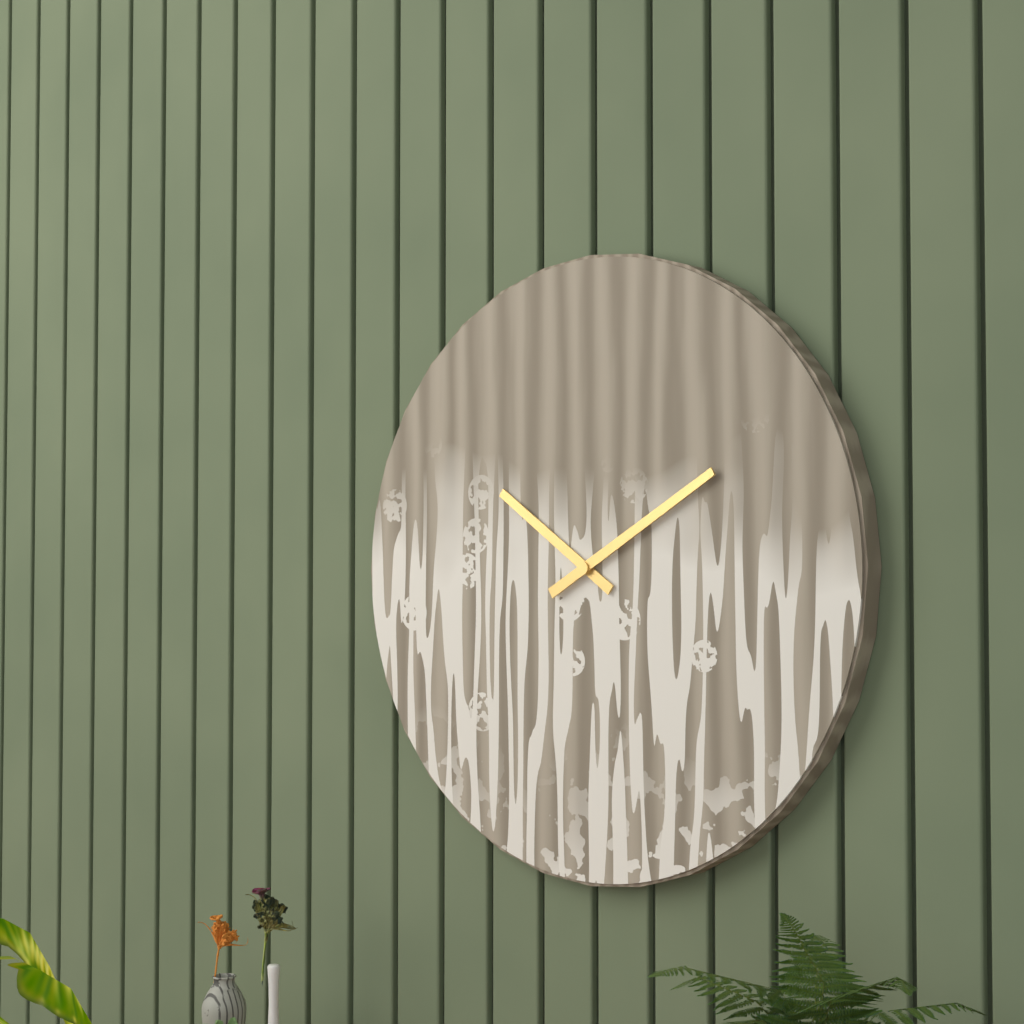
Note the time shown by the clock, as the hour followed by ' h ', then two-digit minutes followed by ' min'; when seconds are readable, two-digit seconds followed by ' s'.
10 h 10 min
